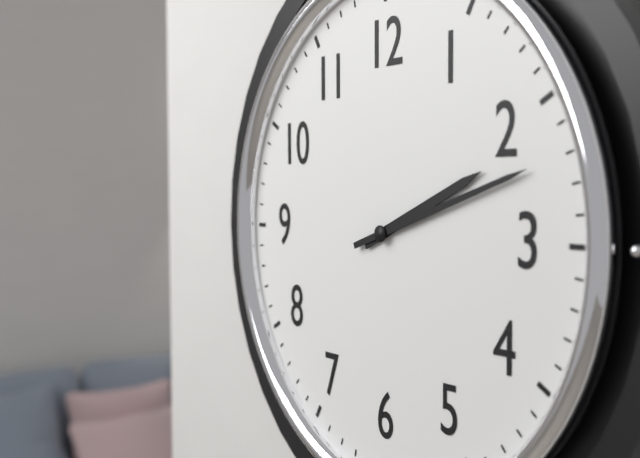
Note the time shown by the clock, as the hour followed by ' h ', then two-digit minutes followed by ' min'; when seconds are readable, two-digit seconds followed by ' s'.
2 h 12 min
